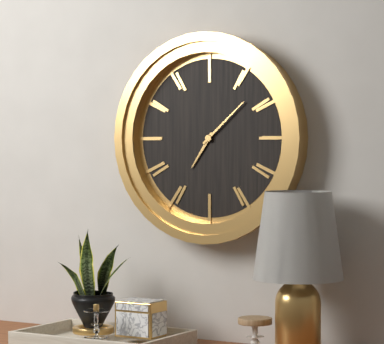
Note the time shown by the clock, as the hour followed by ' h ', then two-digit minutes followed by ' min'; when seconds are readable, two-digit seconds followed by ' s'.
7 h 08 min
